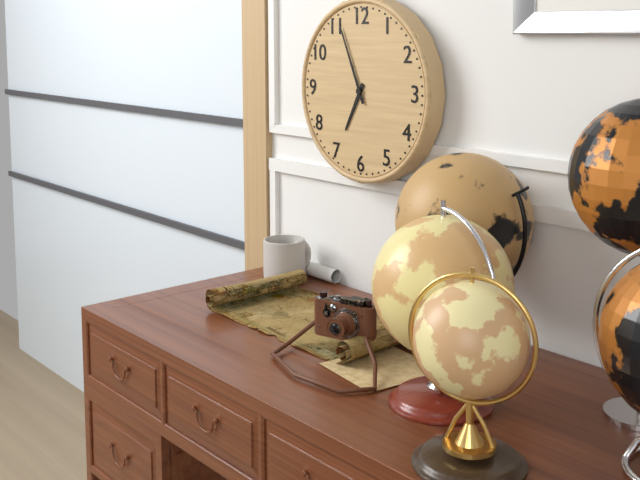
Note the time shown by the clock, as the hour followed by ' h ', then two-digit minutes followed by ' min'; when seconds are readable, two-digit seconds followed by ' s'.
6 h 56 min
